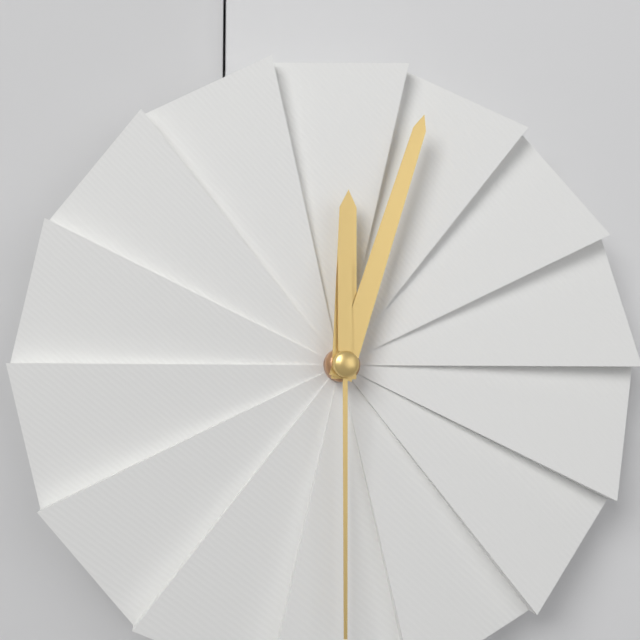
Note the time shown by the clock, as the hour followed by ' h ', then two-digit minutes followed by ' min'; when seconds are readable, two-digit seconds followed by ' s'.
12 h 03 min 30 s
